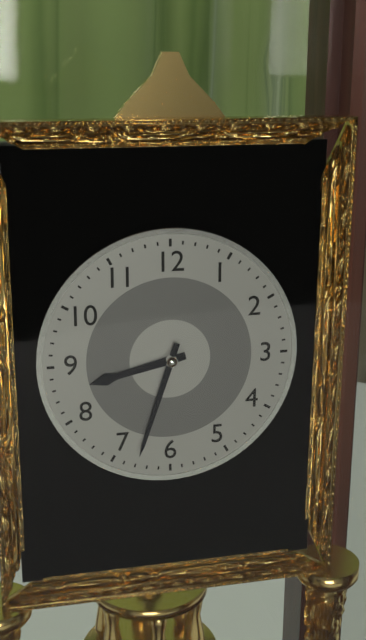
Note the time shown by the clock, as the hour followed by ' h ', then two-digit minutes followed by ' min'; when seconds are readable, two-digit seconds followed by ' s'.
8 h 33 min
